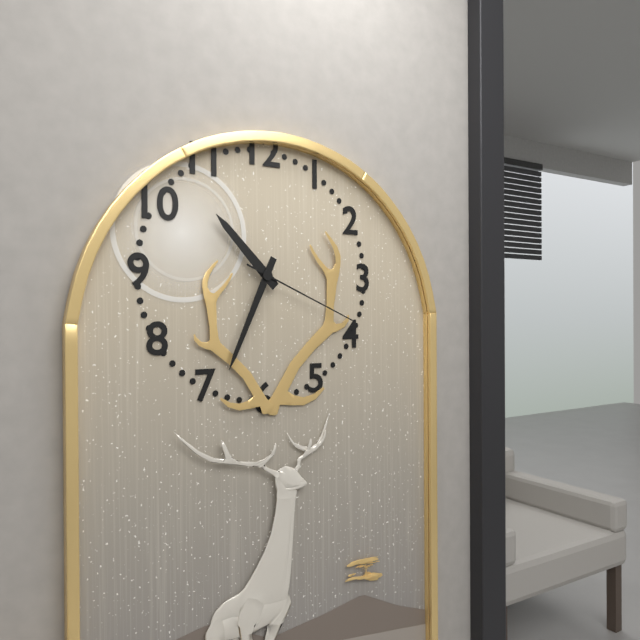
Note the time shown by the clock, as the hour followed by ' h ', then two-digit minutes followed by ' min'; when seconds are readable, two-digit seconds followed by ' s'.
10 h 34 min 19 s
